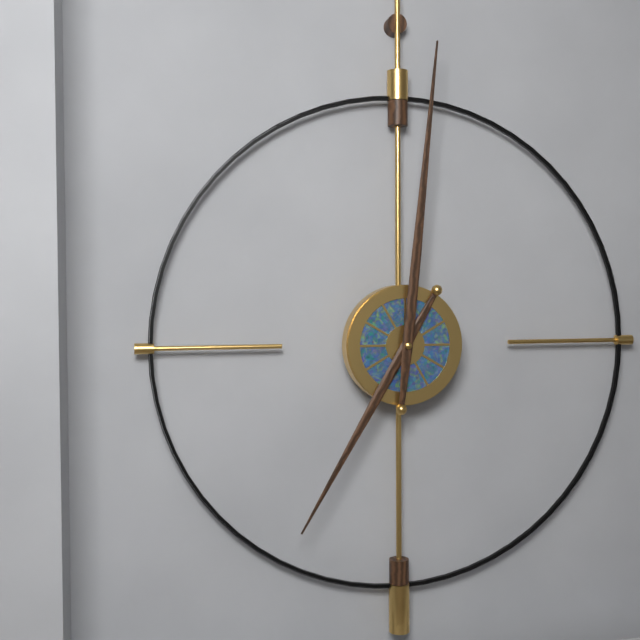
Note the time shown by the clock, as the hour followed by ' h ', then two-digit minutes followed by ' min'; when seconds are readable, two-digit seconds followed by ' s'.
7 h 01 min
